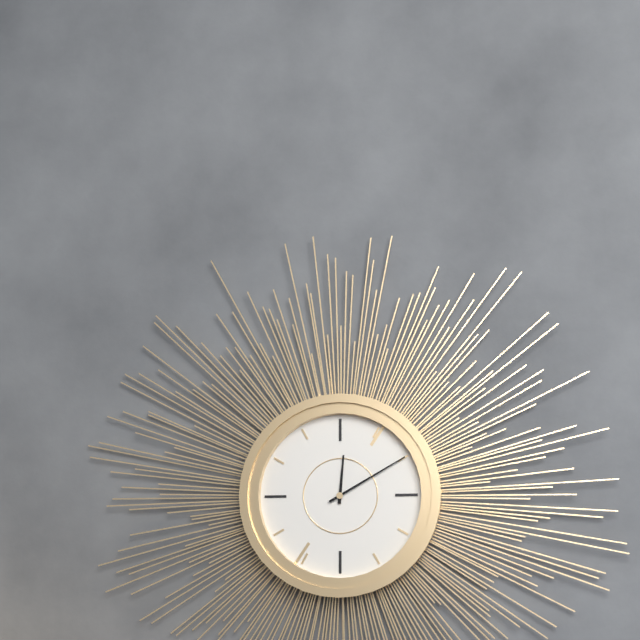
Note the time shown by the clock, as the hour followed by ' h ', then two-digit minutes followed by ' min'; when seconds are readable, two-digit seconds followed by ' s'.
12 h 10 min
